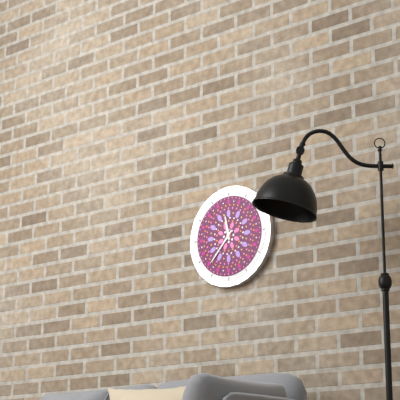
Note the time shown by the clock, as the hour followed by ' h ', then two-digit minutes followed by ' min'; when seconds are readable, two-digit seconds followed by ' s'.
11 h 37 min
